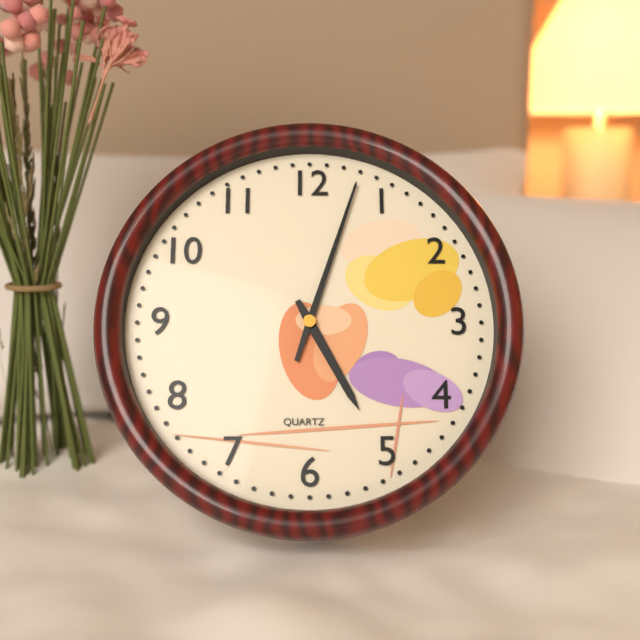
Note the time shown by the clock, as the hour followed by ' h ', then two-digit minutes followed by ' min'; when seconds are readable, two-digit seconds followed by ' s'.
5 h 03 min
